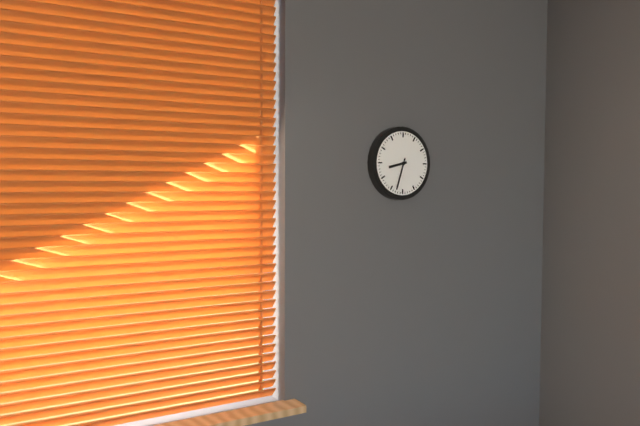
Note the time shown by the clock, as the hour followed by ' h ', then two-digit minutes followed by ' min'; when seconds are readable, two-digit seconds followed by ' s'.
8 h 33 min
